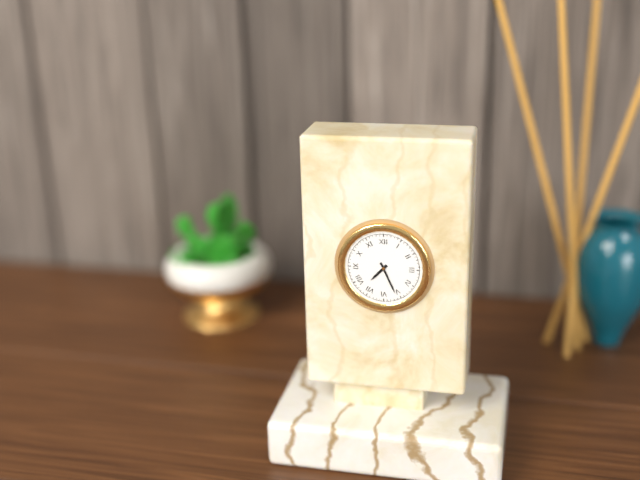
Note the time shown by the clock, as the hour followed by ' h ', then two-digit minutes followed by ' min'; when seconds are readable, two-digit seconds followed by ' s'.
7 h 26 min
